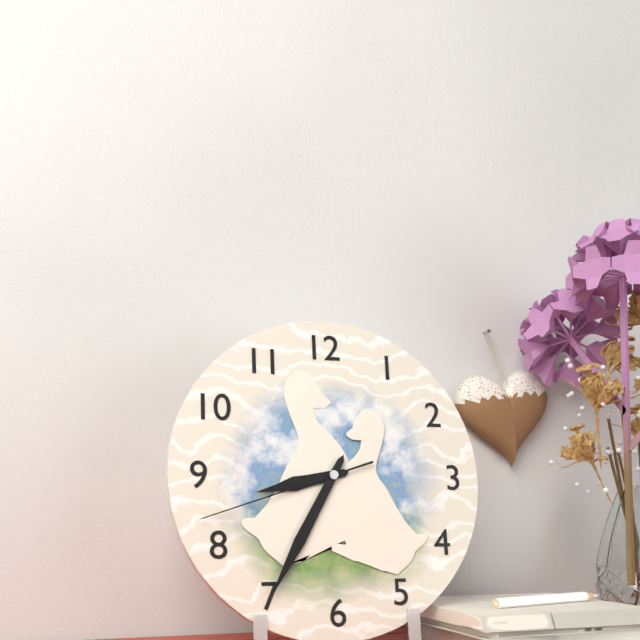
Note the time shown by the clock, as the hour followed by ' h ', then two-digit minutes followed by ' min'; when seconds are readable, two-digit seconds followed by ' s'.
8 h 35 min 42 s
